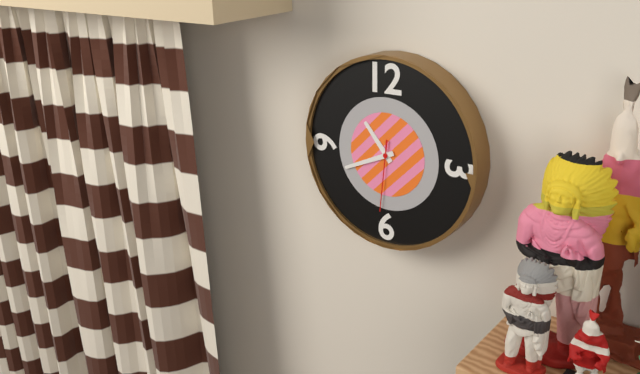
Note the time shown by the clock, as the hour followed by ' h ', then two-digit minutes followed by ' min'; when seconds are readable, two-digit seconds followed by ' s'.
10 h 41 min 31 s
